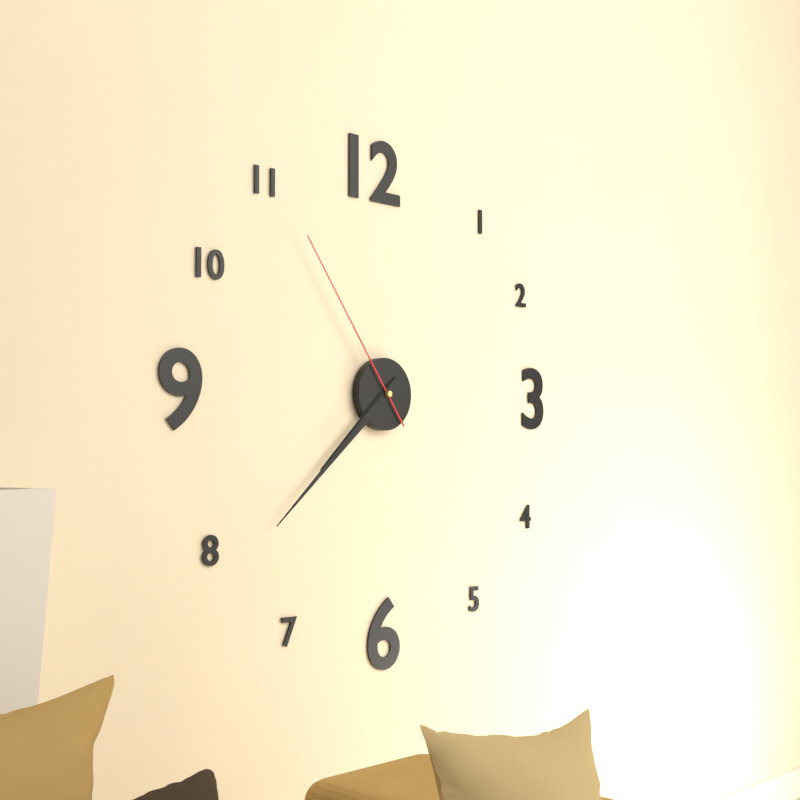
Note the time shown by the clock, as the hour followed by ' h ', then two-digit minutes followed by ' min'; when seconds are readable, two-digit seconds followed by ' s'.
7 h 38 min 54 s
